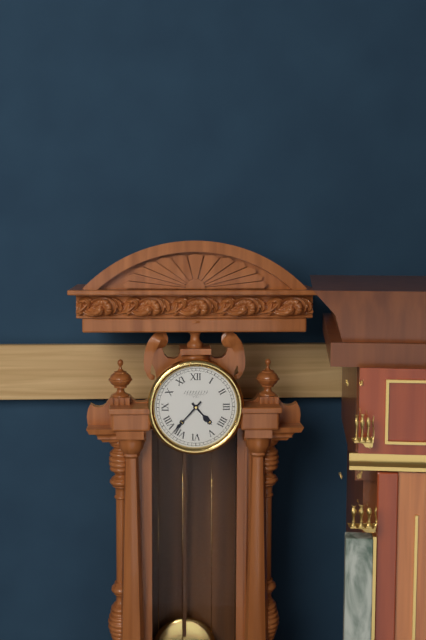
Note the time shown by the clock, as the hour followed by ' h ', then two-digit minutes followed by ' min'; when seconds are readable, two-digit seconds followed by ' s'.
4 h 37 min
